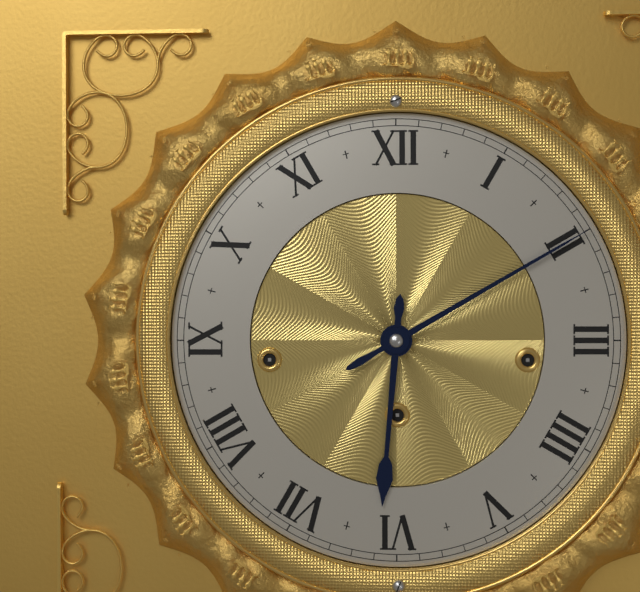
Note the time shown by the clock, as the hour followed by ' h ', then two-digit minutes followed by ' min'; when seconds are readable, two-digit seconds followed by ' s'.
6 h 10 min
